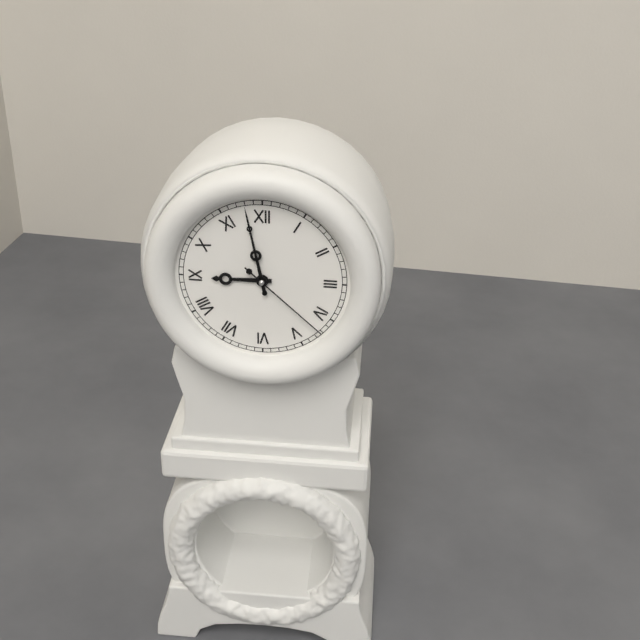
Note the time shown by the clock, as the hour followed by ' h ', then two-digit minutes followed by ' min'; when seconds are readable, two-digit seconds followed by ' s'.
8 h 58 min 22 s
